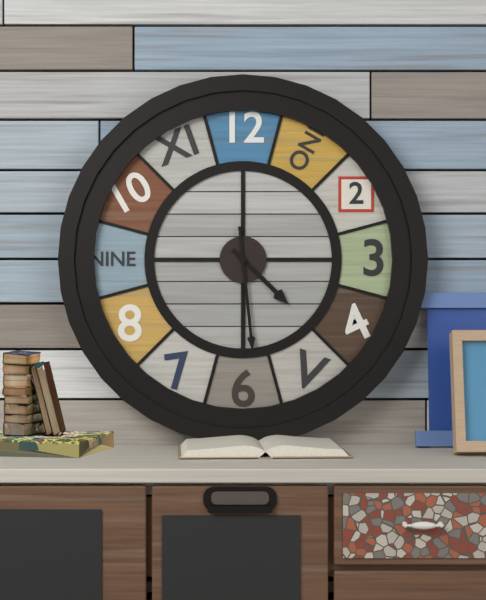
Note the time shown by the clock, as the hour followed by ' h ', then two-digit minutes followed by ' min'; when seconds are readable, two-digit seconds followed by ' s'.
4 h 29 min
